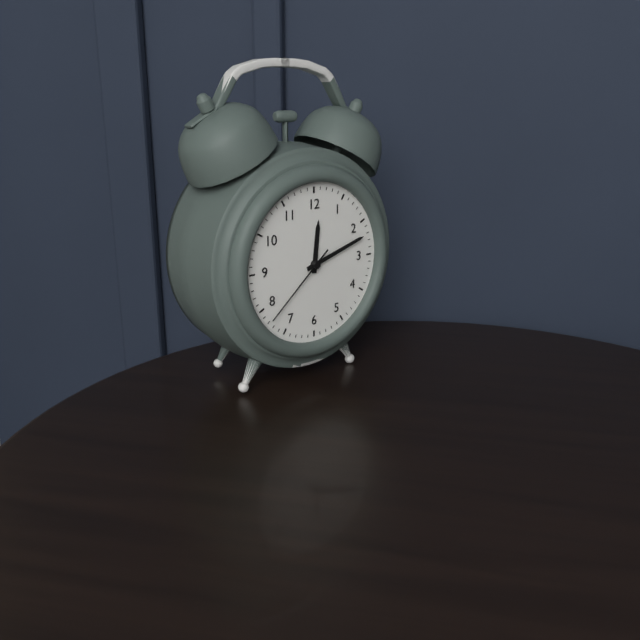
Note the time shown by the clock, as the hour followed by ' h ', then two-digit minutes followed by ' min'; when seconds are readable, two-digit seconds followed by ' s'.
12 h 12 min 38 s
